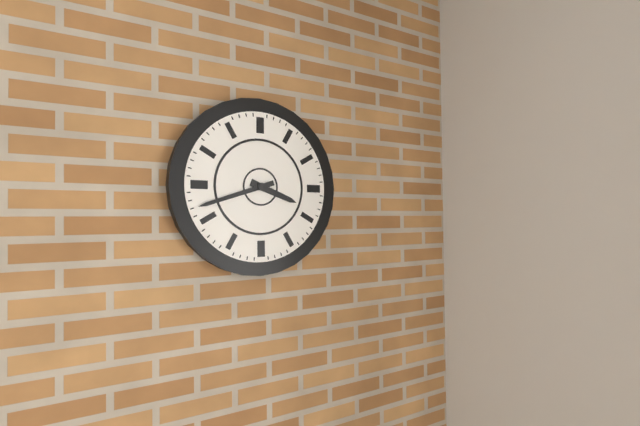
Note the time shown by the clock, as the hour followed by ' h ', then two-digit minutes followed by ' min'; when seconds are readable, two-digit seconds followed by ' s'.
3 h 42 min
